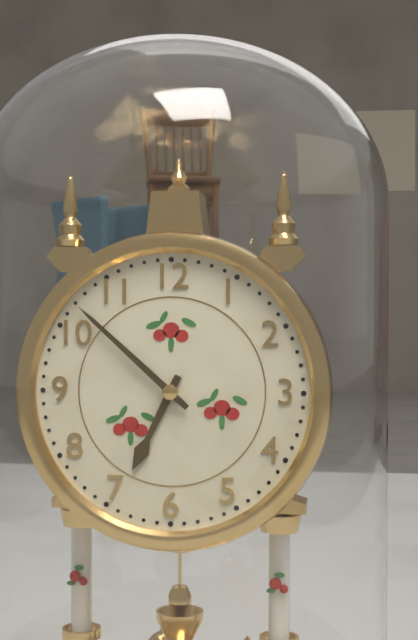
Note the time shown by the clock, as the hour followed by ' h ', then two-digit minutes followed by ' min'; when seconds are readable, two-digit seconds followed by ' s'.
6 h 52 min
